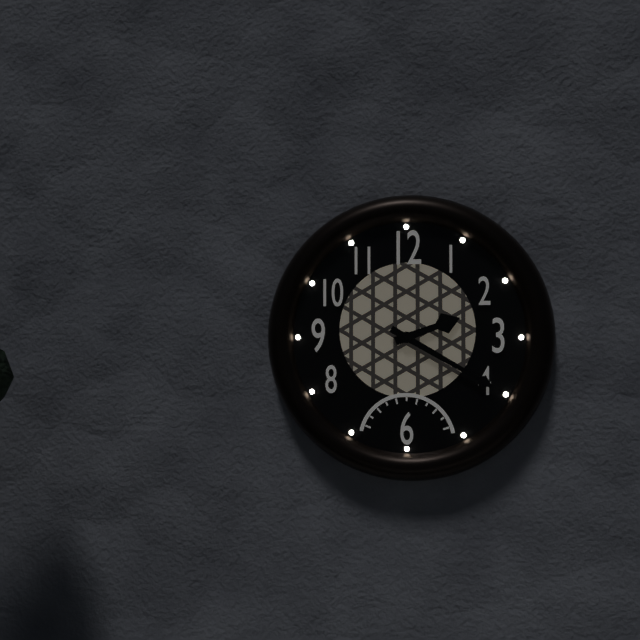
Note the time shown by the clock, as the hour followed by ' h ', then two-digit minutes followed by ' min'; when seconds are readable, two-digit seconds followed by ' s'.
2 h 20 min
